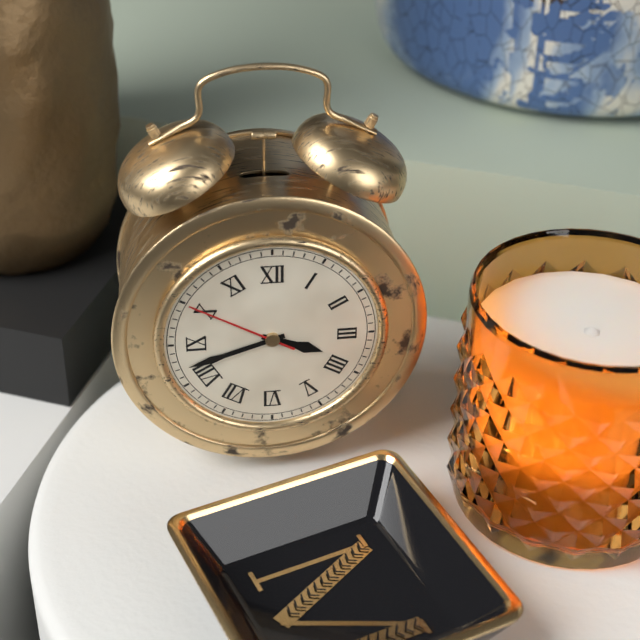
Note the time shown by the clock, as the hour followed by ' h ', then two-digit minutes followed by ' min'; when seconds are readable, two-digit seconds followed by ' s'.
3 h 42 min 50 s
